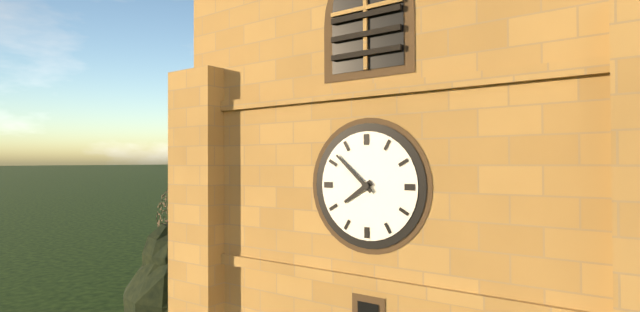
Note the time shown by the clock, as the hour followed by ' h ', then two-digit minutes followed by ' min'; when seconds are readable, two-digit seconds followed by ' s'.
7 h 52 min
